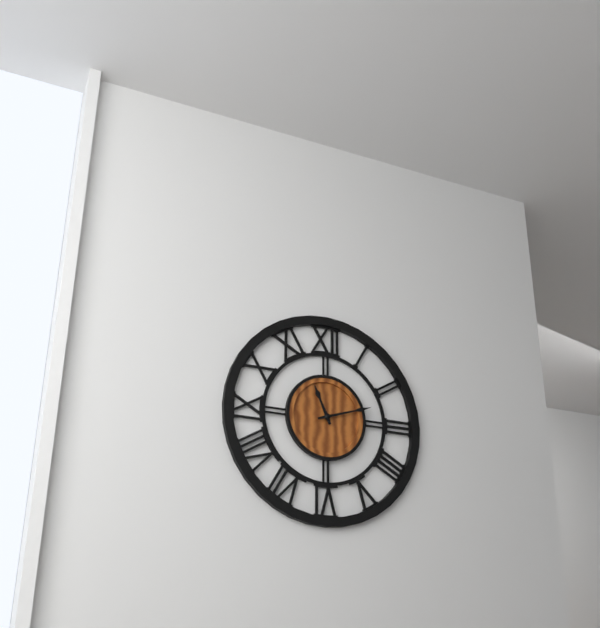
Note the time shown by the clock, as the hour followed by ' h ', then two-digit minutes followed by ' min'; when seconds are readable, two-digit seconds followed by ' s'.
11 h 12 min
